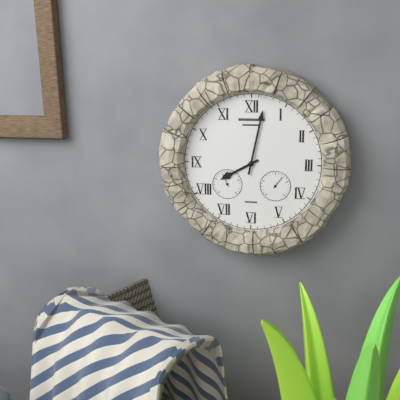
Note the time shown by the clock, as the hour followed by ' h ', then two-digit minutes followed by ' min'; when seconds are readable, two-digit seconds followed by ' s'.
8 h 02 min
